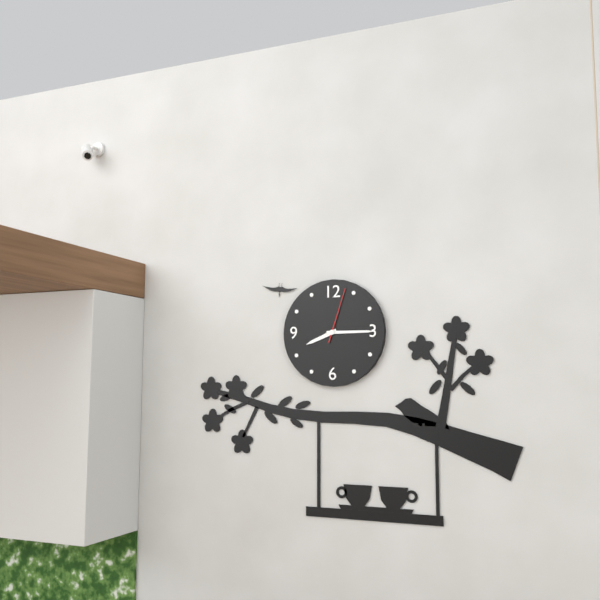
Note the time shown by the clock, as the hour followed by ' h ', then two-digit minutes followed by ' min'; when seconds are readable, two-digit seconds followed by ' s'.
8 h 15 min 03 s
